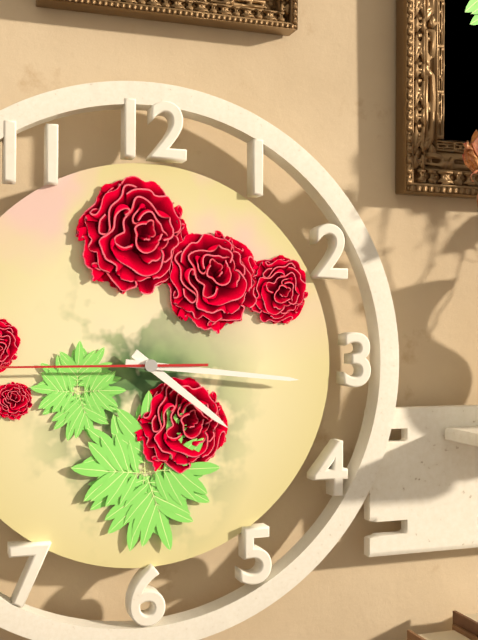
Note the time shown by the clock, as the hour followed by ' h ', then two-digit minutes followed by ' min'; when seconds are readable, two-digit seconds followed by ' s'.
4 h 16 min
